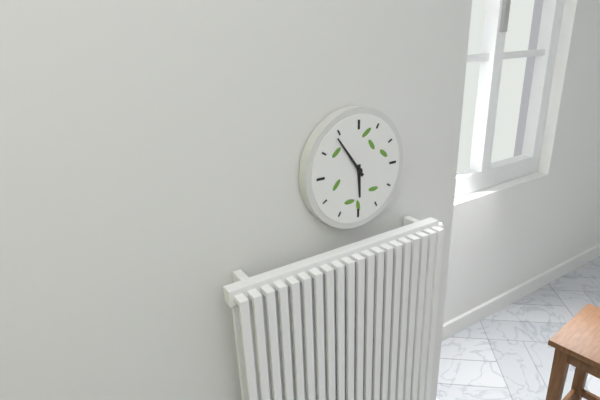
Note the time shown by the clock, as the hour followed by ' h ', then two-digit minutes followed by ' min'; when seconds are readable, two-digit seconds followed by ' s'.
5 h 54 min
